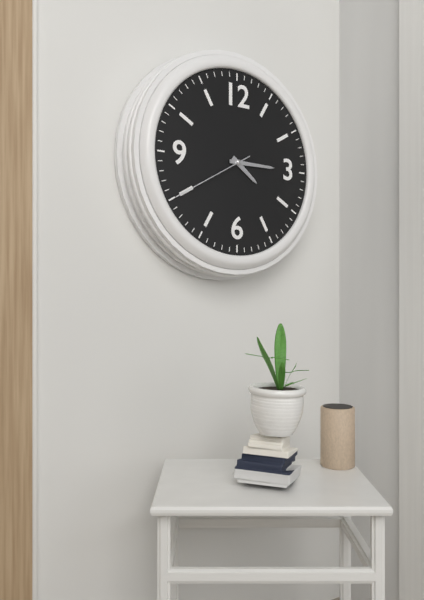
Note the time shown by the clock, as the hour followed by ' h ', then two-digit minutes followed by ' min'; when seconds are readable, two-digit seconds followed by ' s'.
4 h 15 min 40 s
